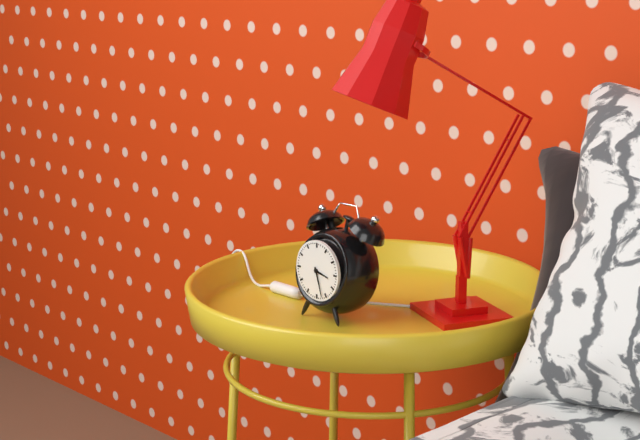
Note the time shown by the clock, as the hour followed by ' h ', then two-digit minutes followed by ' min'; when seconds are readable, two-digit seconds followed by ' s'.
3 h 27 min
